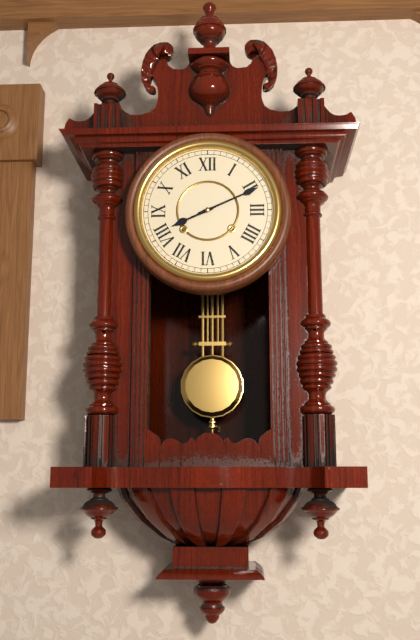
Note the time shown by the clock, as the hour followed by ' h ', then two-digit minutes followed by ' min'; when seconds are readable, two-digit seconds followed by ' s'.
8 h 11 min
